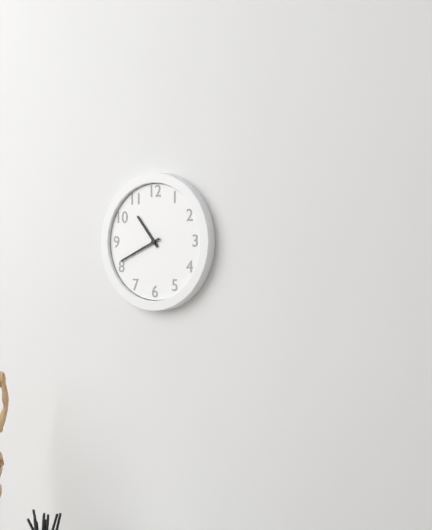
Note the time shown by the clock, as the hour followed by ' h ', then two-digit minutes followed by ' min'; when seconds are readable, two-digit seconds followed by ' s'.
10 h 41 min
